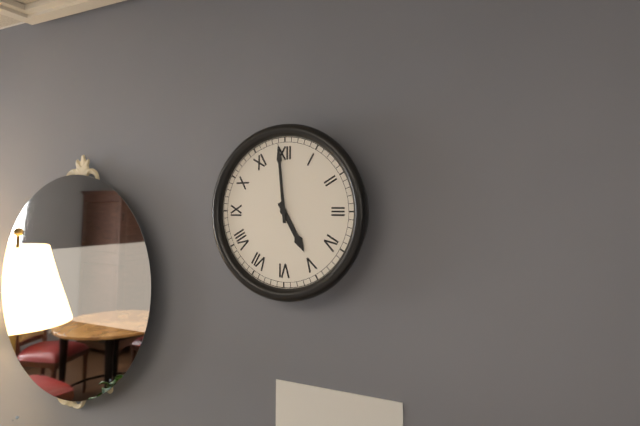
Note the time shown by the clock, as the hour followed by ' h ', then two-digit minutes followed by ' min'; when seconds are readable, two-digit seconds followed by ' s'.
4 h 59 min
